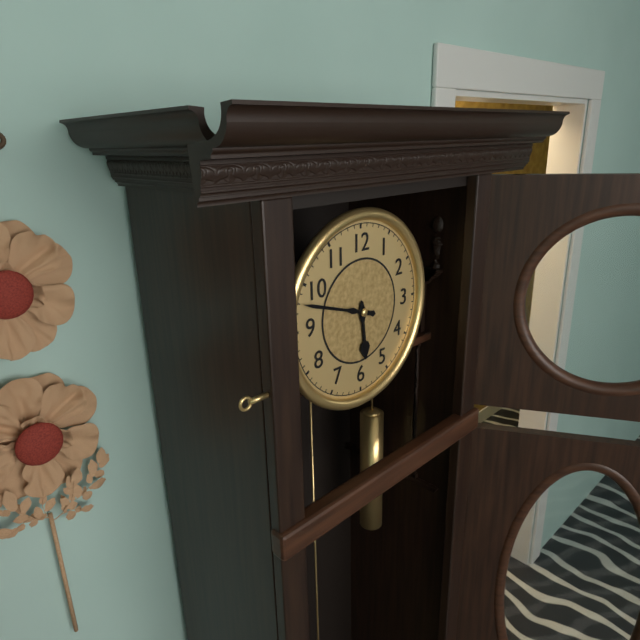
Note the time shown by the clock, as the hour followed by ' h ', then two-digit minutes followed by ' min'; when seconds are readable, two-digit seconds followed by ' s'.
5 h 48 min
